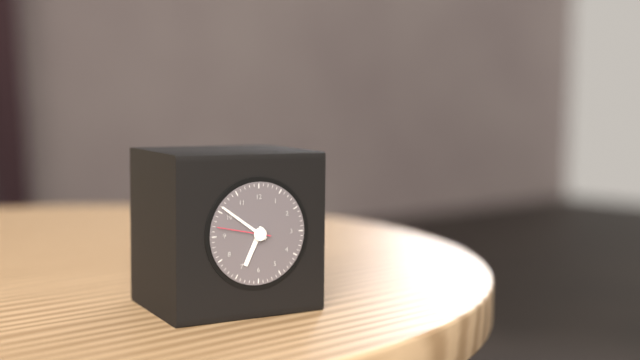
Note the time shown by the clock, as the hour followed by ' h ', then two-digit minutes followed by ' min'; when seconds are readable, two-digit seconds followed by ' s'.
6 h 51 min 47 s
